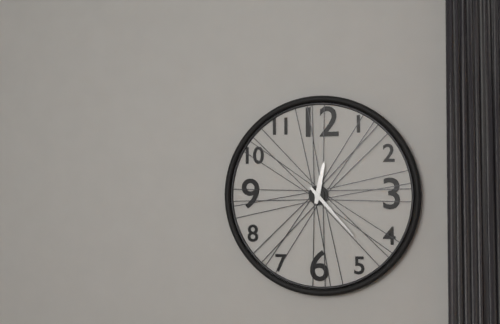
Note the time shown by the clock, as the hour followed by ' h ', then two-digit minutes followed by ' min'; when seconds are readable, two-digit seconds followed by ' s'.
12 h 23 min
